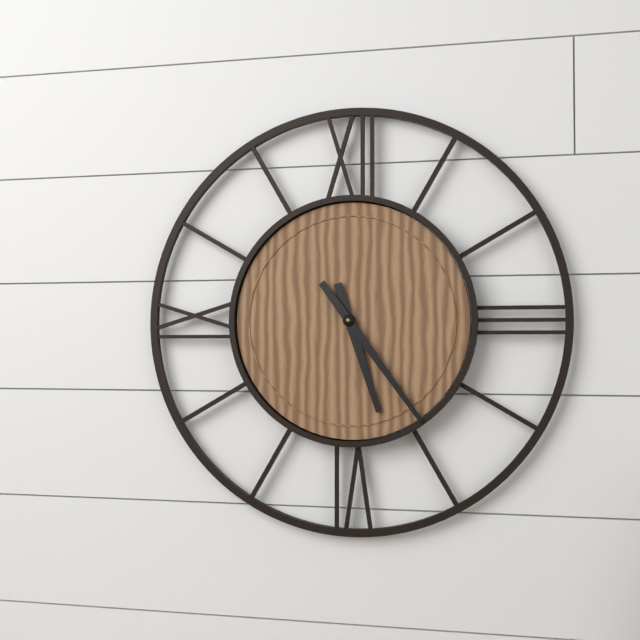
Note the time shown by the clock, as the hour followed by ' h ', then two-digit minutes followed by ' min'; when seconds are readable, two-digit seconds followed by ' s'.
5 h 24 min
